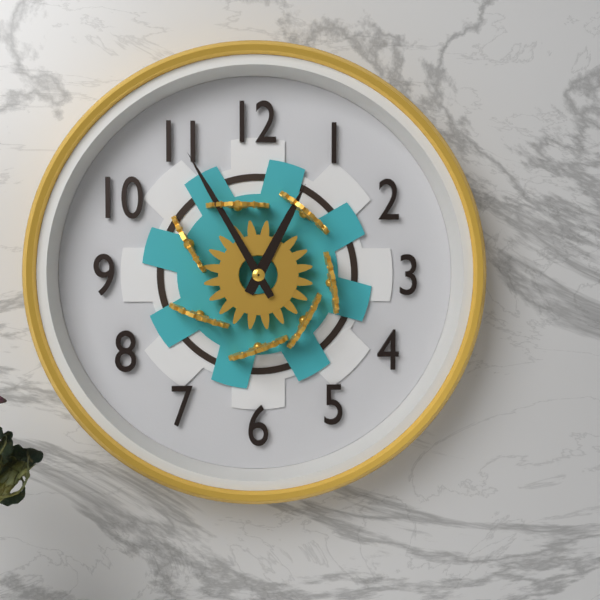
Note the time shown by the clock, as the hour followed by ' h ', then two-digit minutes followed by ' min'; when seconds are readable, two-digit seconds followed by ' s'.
12 h 55 min
